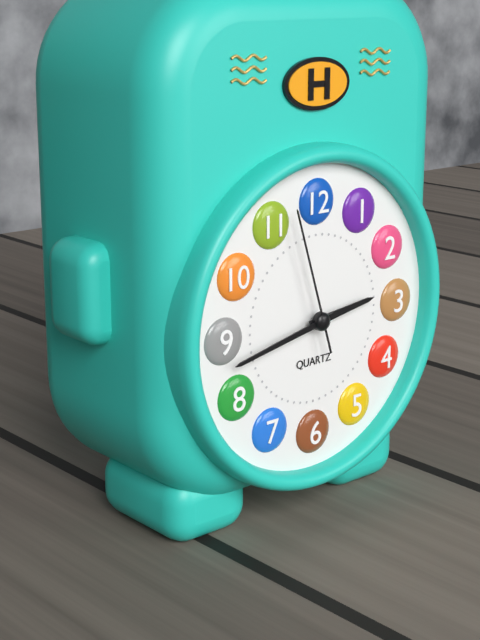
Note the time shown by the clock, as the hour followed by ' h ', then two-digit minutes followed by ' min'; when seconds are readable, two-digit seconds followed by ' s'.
2 h 43 min 57 s
